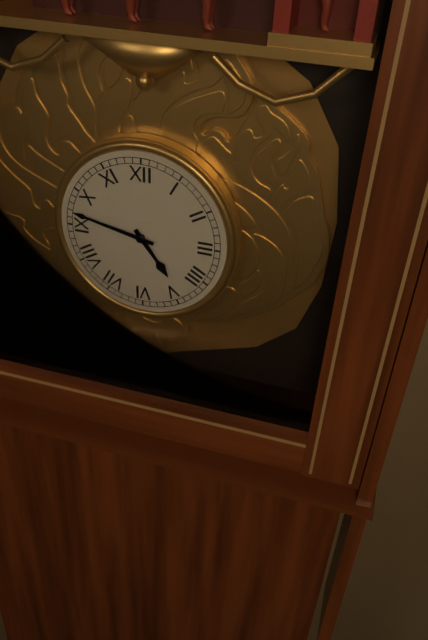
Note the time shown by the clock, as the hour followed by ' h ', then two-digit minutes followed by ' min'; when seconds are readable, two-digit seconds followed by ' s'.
4 h 47 min
